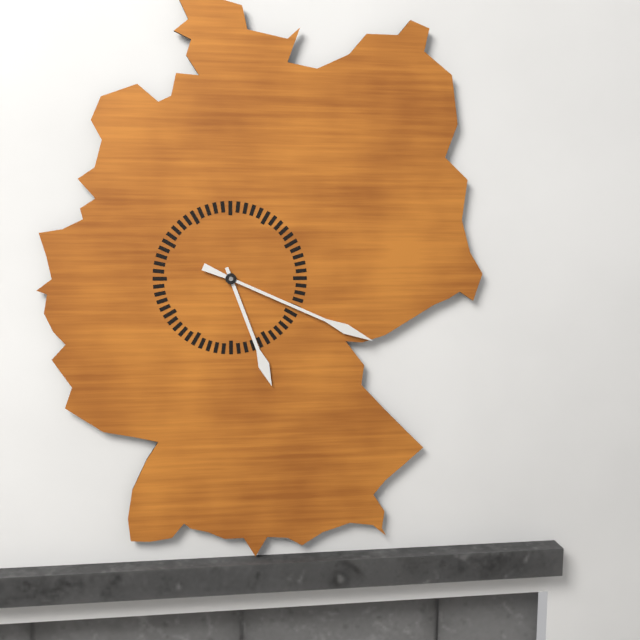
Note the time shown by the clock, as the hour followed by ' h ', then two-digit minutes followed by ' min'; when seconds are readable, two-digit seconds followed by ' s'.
5 h 19 min
